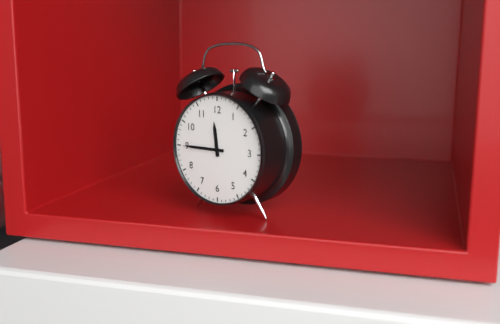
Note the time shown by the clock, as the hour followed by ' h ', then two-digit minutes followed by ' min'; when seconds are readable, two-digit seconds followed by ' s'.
11 h 45 min
